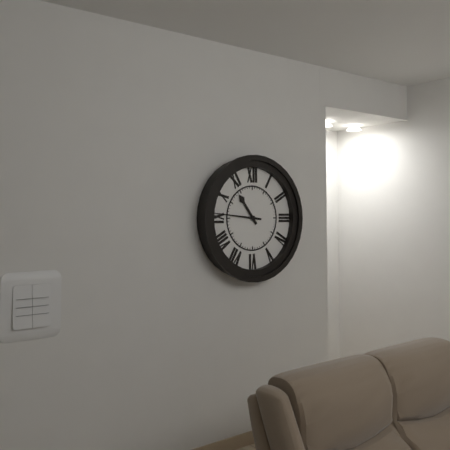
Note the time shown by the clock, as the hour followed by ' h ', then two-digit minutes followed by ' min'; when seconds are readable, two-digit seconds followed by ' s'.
10 h 46 min
